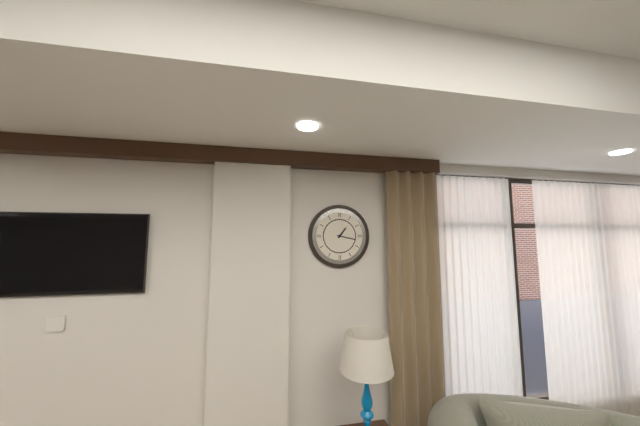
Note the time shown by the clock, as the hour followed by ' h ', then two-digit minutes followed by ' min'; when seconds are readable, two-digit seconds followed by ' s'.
1 h 17 min
